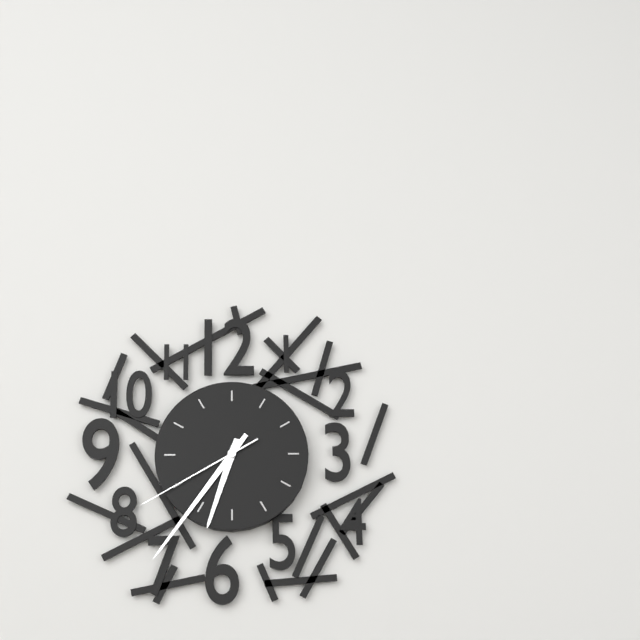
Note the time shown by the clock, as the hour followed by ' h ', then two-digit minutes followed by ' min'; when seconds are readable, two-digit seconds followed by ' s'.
6 h 36 min 40 s
